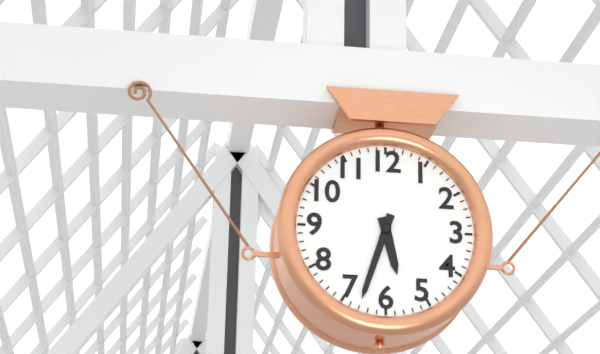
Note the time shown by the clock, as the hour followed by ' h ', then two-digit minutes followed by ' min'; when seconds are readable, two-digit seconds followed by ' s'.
5 h 33 min
